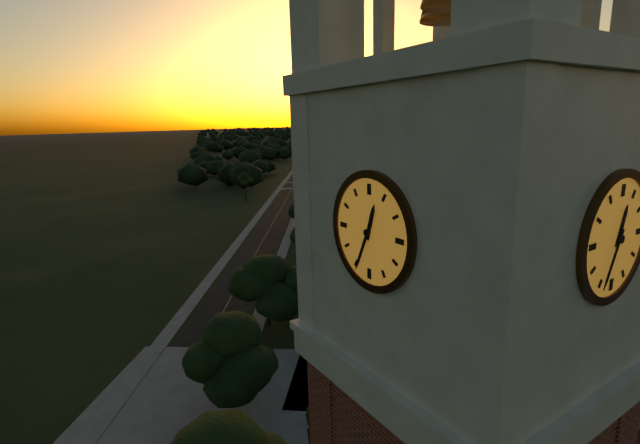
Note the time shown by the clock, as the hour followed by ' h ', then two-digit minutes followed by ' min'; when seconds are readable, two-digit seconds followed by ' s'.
12 h 34 min
